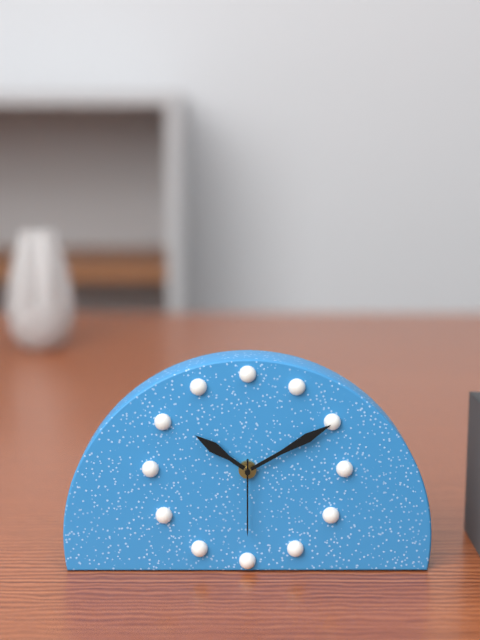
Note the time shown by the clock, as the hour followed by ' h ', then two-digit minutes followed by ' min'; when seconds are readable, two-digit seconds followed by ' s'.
10 h 10 min 30 s
